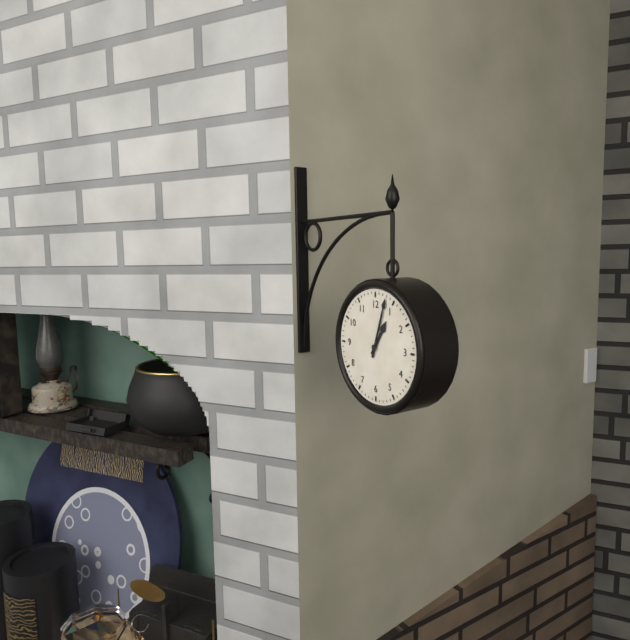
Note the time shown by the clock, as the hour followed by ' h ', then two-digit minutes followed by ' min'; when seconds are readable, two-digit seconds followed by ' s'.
1 h 03 min
